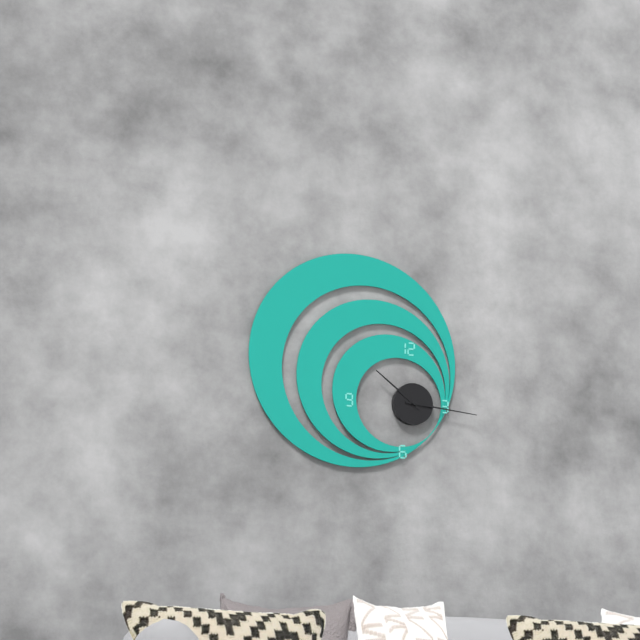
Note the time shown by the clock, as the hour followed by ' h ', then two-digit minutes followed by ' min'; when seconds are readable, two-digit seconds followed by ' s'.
10 h 16 min
